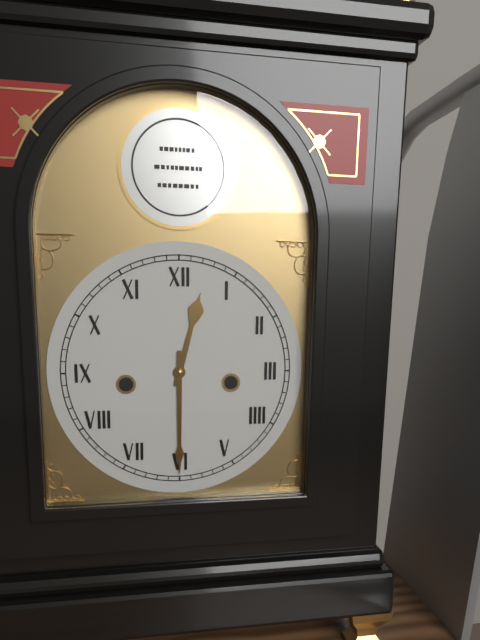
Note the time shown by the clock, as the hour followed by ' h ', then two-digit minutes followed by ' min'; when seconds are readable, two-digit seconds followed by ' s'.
12 h 30 min
